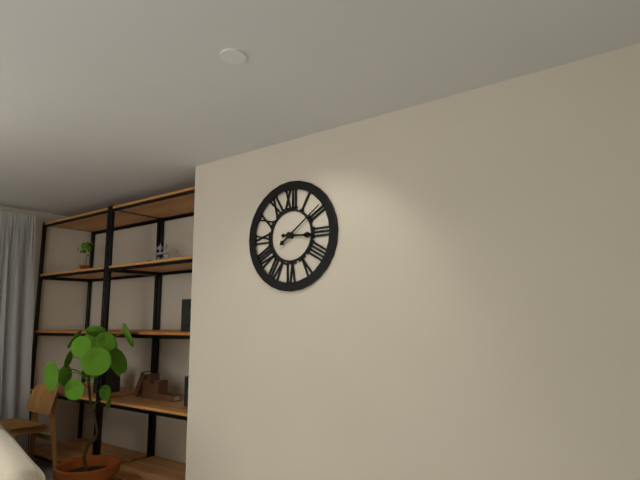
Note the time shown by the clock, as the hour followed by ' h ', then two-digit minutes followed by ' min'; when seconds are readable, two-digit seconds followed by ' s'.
3 h 09 min
